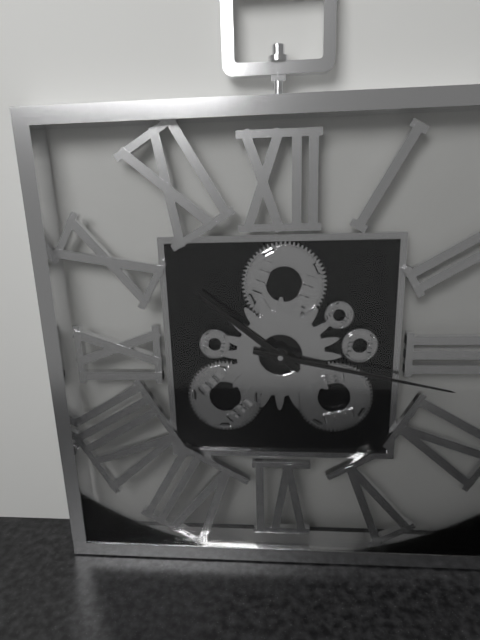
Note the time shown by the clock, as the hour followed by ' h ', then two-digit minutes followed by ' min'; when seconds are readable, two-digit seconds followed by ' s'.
10 h 17 min
